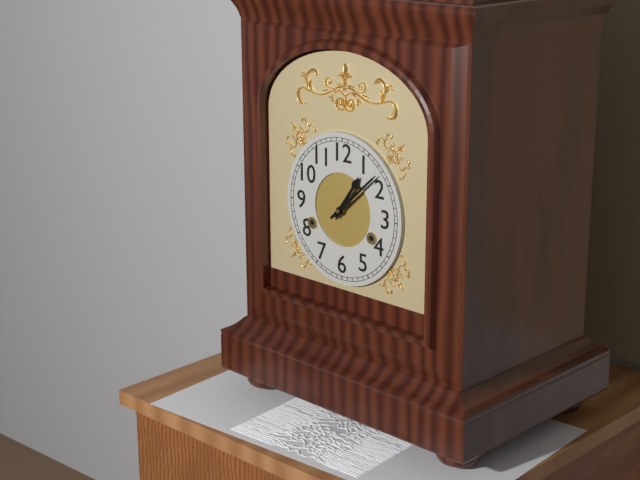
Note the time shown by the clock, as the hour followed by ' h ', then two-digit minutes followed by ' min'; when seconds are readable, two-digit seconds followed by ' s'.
1 h 08 min
